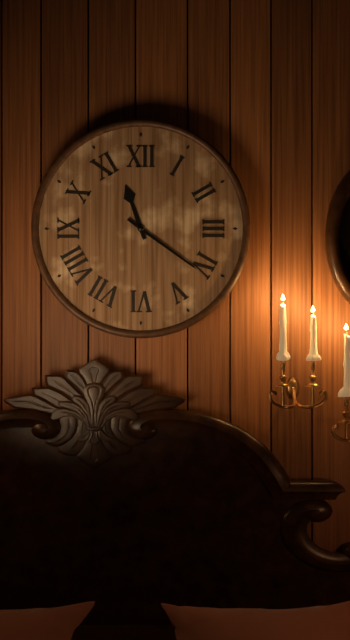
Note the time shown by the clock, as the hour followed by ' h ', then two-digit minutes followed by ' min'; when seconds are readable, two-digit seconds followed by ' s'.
11 h 21 min
